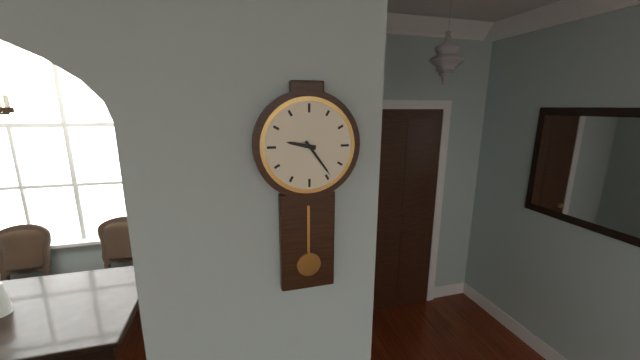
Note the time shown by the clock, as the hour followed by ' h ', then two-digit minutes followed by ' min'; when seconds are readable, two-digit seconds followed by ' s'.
9 h 24 min
